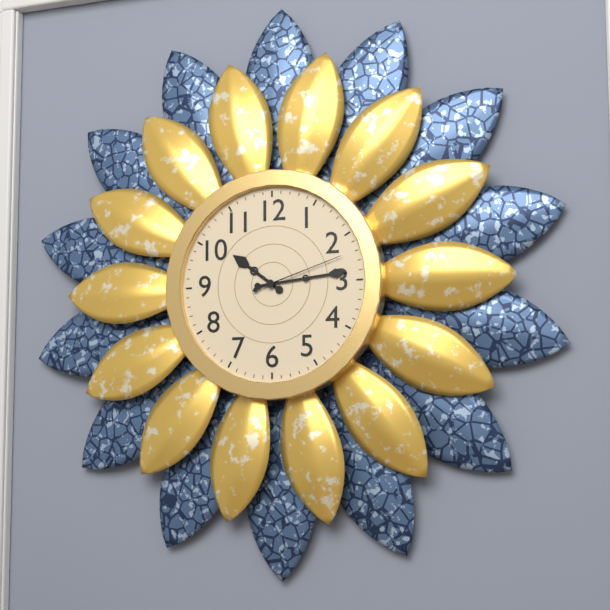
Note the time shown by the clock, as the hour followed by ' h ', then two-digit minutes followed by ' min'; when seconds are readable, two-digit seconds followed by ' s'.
10 h 14 min 12 s
